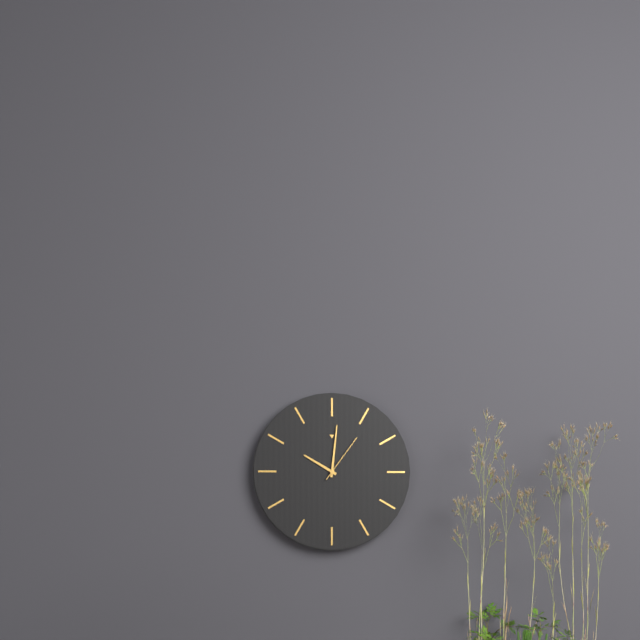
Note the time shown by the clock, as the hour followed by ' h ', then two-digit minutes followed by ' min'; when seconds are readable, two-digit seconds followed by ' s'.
10 h 01 min 06 s
